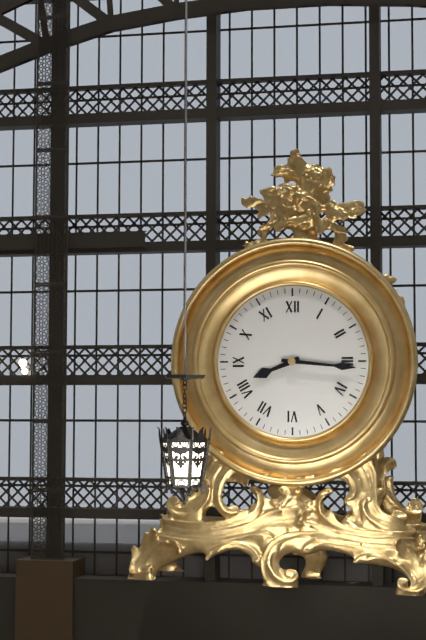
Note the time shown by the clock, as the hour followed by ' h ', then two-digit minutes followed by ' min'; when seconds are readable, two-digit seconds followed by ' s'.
8 h 16 min
